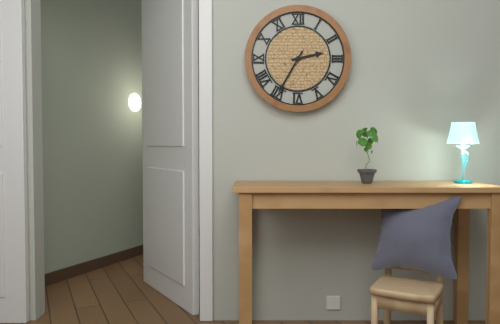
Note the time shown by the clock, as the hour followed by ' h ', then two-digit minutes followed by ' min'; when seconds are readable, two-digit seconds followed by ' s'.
2 h 35 min
